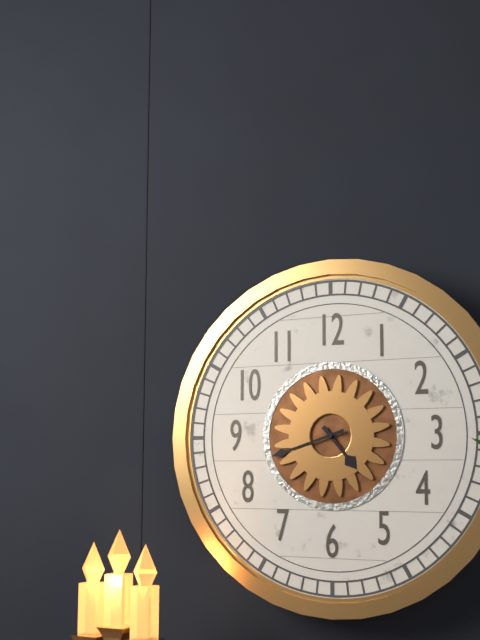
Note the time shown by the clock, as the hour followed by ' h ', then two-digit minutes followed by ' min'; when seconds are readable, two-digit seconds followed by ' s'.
4 h 42 min
